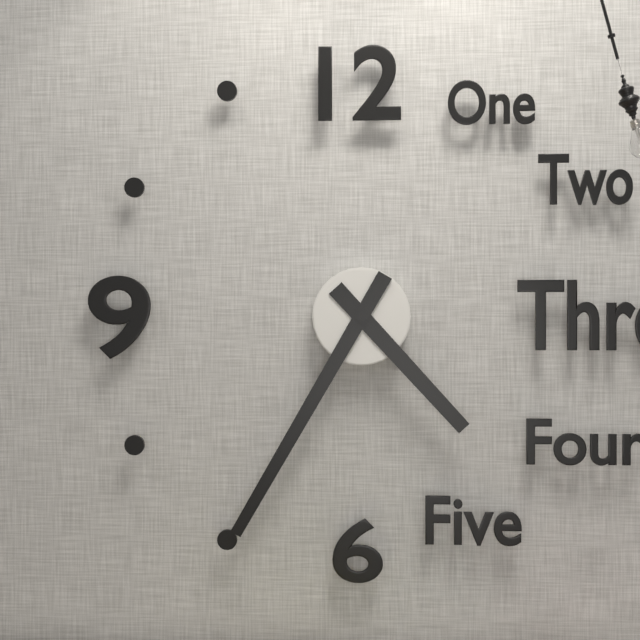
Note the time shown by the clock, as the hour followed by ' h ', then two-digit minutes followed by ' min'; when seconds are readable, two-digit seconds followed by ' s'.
4 h 35 min
